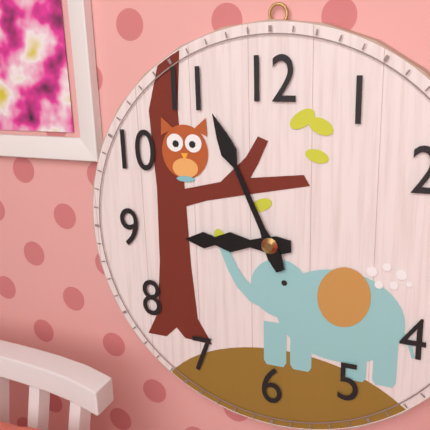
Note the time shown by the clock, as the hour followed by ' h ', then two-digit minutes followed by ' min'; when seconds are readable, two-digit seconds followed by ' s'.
8 h 56 min
